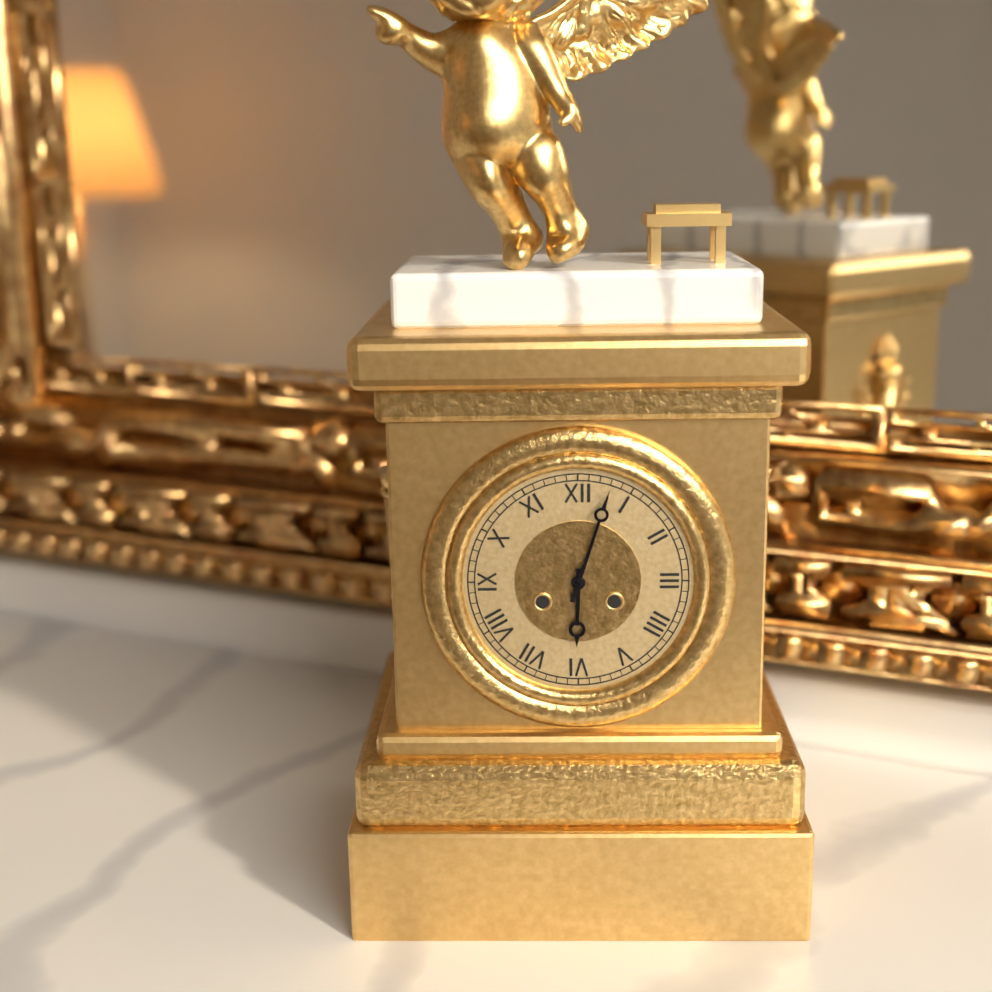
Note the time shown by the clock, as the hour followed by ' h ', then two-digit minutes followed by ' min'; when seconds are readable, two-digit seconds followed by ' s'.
6 h 03 min
